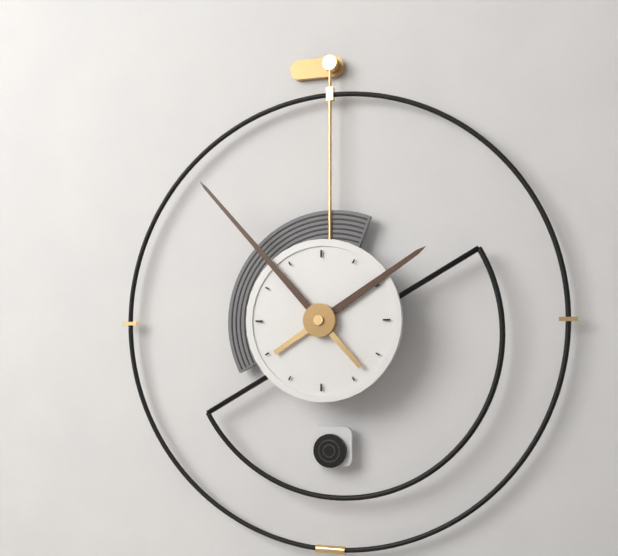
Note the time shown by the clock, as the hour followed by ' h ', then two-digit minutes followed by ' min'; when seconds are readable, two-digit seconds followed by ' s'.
1 h 53 min
